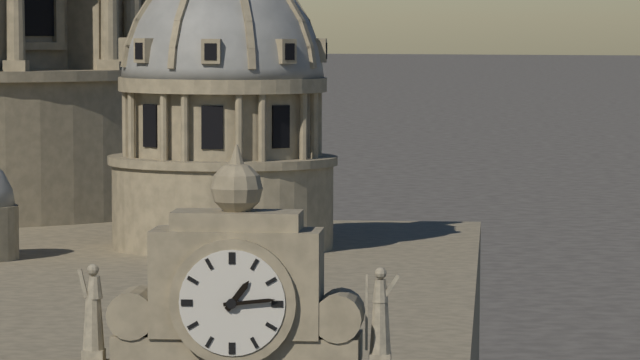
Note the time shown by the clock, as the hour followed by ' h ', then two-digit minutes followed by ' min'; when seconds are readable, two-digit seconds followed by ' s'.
1 h 14 min
